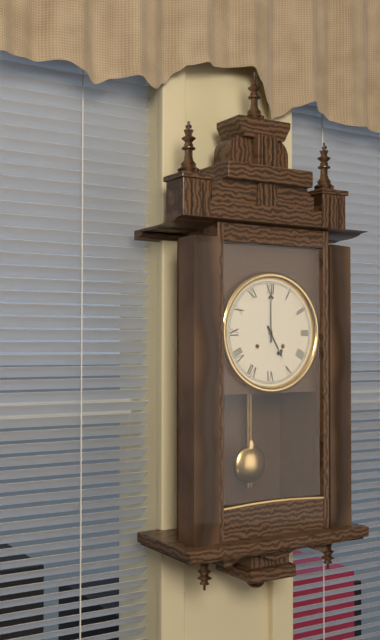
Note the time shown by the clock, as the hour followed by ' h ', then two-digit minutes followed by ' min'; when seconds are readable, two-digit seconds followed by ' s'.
5 h 00 min
